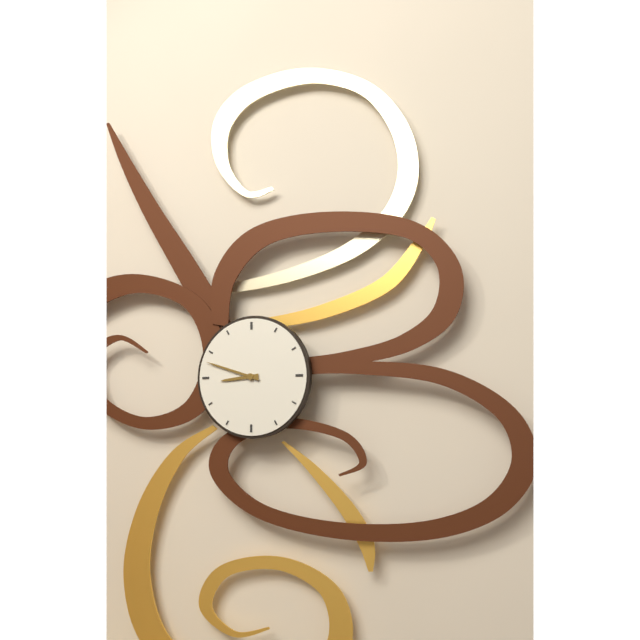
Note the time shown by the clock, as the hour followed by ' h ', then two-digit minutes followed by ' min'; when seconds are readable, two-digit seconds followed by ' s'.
8 h 48 min
